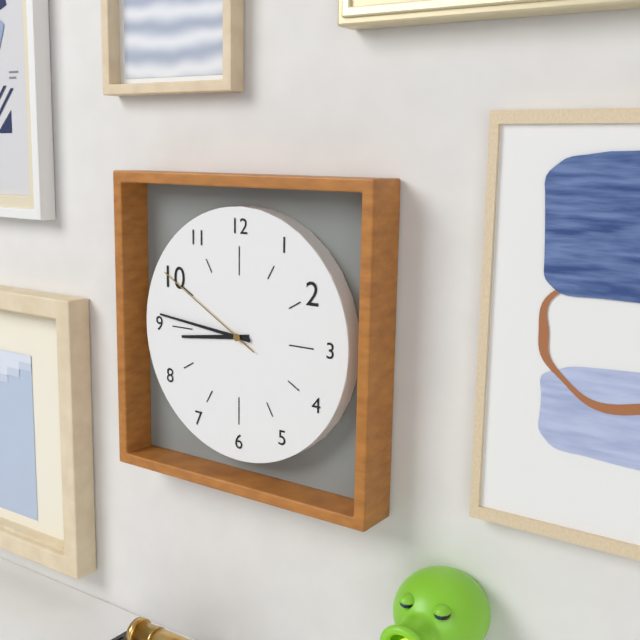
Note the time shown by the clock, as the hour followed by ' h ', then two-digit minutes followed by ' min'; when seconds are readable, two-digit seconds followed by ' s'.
8 h 46 min 50 s
